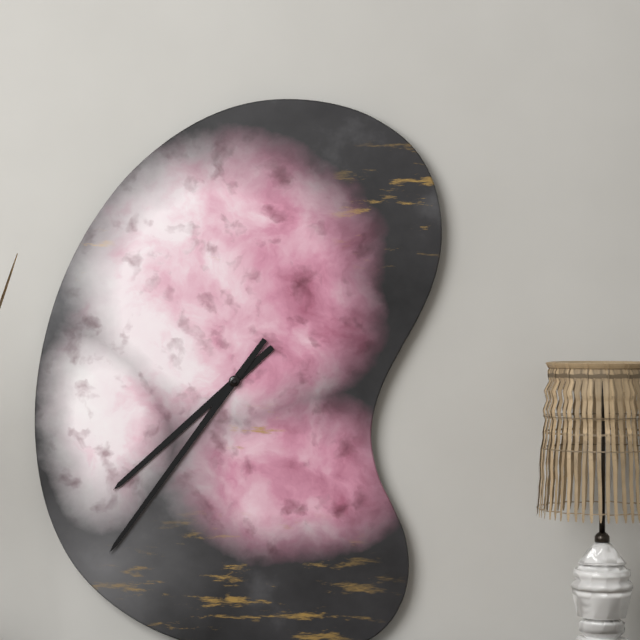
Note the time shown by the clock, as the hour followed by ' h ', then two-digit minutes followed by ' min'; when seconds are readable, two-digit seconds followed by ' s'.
7 h 36 min
